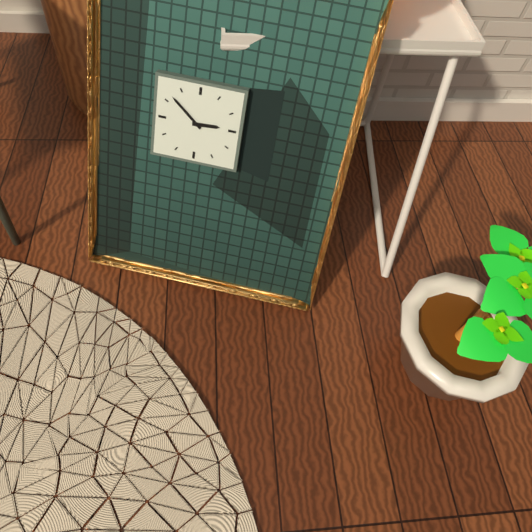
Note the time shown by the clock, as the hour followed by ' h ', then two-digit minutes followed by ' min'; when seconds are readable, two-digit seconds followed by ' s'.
2 h 52 min
